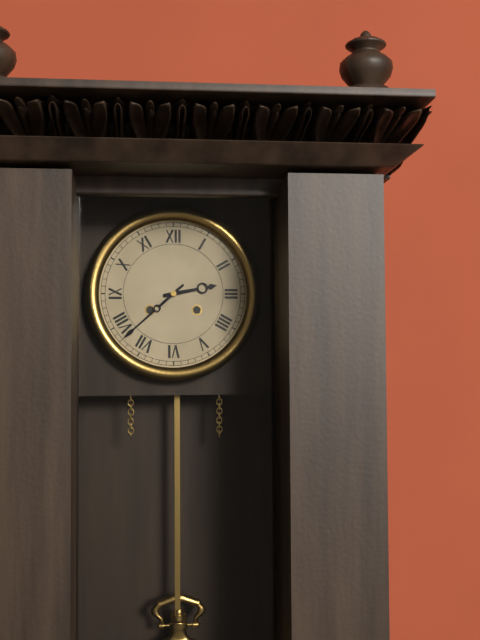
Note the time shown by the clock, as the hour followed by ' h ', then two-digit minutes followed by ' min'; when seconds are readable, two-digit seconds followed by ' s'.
2 h 38 min
